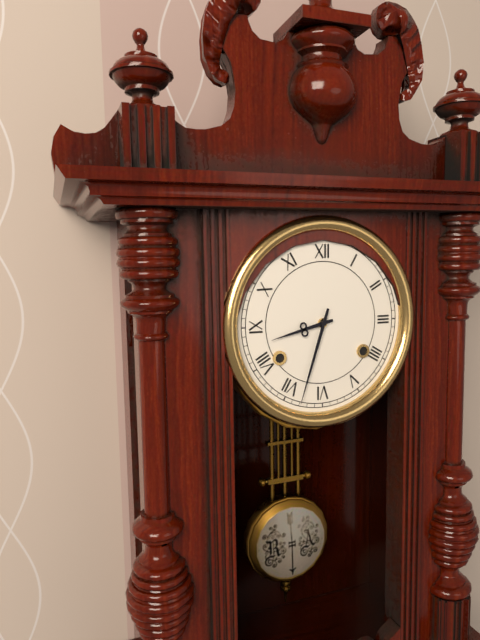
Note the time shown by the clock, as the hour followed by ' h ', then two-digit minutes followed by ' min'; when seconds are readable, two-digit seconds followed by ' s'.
8 h 33 min
